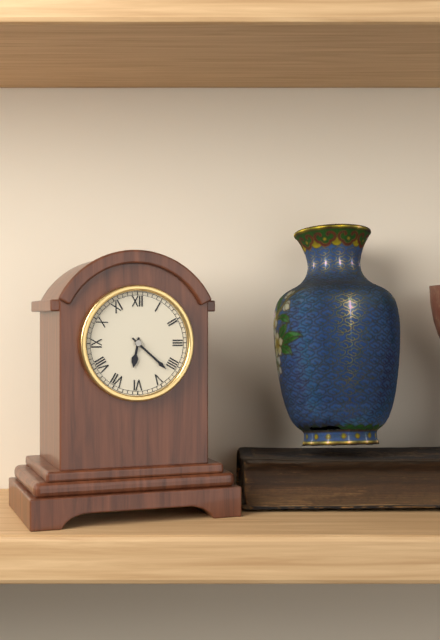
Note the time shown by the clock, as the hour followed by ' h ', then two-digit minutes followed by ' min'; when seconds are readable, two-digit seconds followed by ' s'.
6 h 22 min
